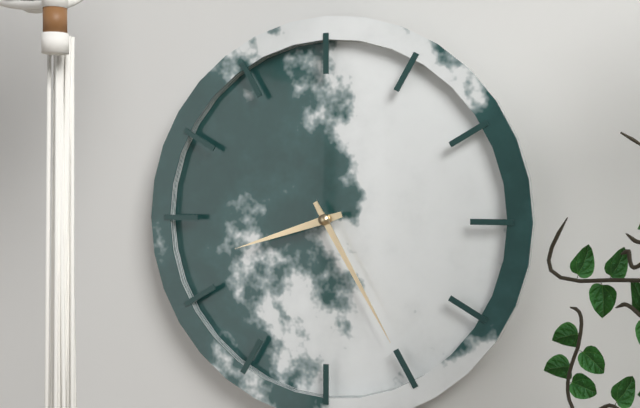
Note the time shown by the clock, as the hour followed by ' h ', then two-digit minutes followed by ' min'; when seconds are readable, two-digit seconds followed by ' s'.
8 h 25 min
